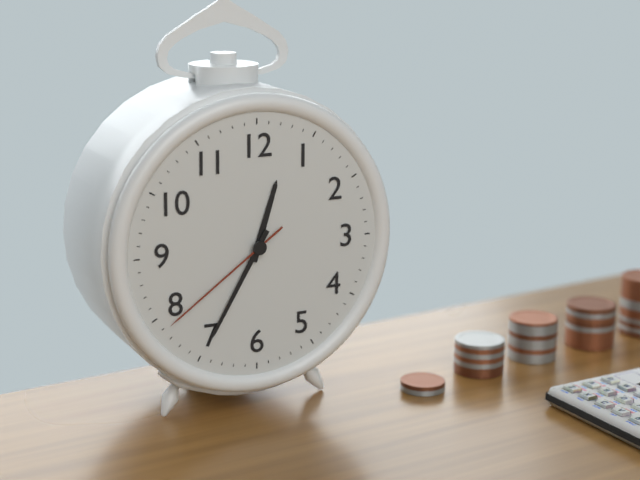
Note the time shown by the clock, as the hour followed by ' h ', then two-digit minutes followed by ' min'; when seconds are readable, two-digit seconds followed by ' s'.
12 h 35 min 39 s
